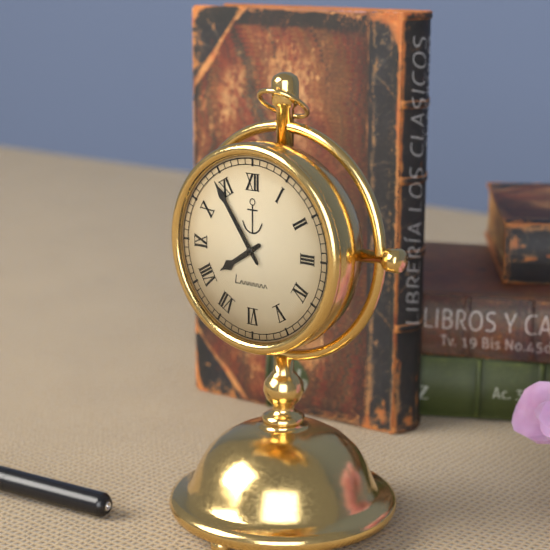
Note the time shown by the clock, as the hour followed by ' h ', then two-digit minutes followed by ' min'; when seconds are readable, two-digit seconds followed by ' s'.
7 h 54 min
